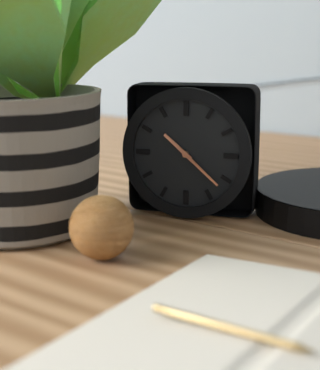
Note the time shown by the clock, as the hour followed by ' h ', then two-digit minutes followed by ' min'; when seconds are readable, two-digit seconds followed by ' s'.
10 h 22 min
